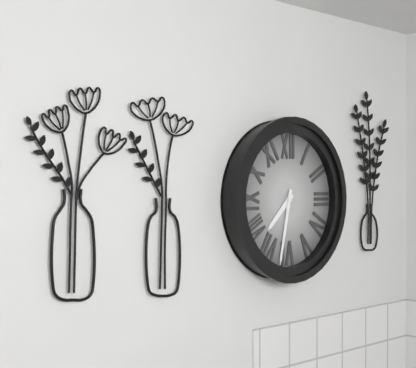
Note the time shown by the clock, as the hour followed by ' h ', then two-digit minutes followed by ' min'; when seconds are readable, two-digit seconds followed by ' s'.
7 h 32 min
